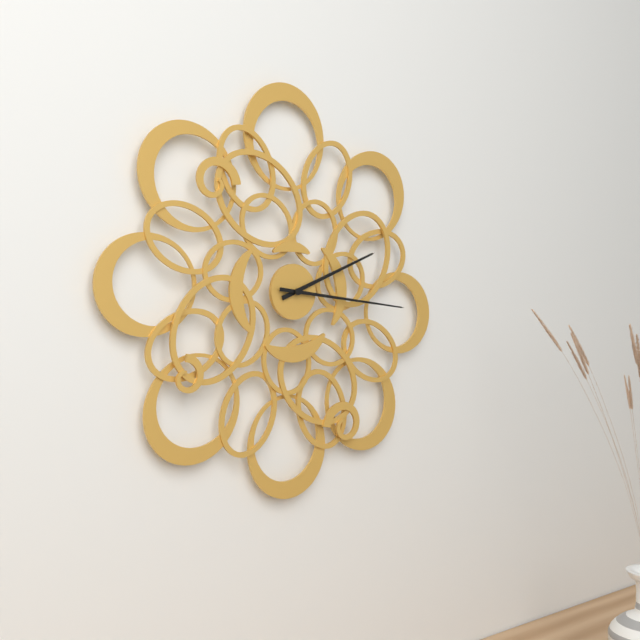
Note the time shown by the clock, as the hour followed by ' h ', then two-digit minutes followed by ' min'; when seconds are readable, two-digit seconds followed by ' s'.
2 h 16 min
